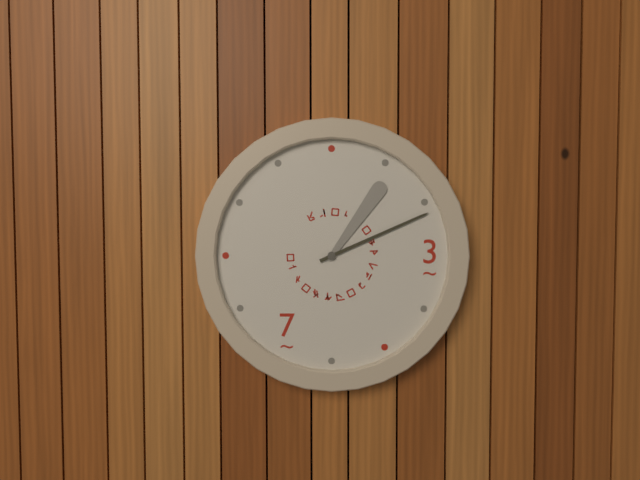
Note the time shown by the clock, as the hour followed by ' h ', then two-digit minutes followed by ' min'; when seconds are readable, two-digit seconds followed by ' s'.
1 h 11 min
